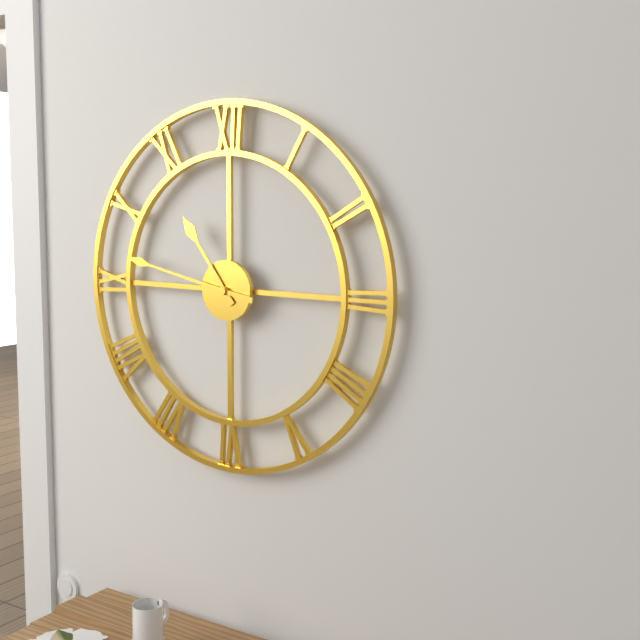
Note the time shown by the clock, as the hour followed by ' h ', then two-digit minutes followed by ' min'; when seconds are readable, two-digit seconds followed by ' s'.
10 h 47 min
